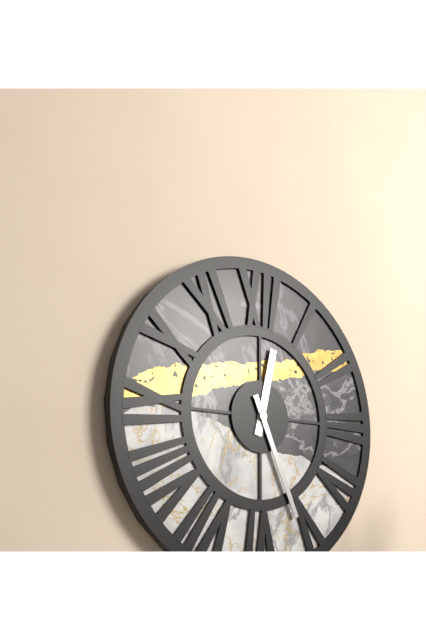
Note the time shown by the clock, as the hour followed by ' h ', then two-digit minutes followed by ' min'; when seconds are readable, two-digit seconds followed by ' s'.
12 h 26 min
